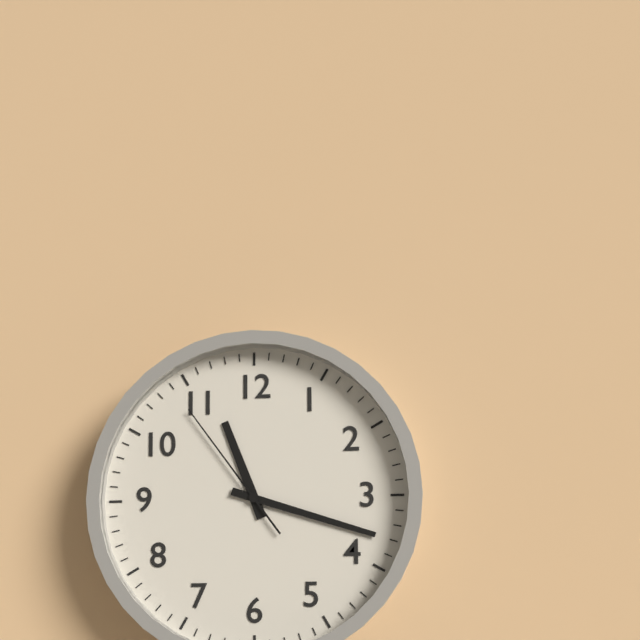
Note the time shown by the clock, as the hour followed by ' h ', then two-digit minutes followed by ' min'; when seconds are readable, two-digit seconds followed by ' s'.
11 h 18 min 54 s
